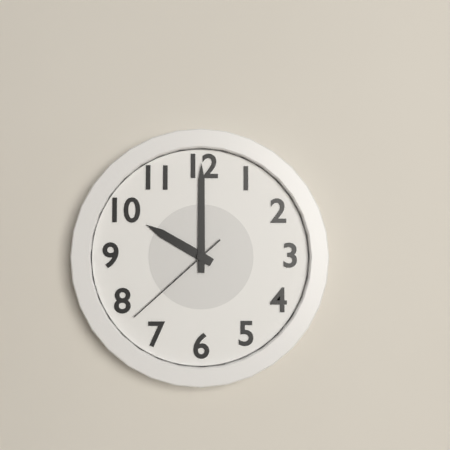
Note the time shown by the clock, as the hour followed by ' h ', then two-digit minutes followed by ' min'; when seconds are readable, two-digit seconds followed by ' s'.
10 h 00 min 38 s
